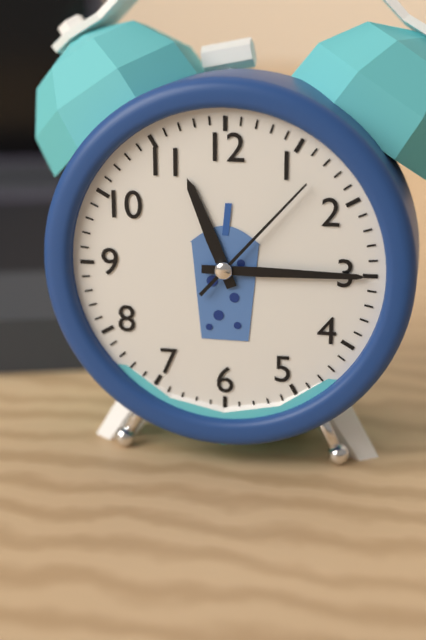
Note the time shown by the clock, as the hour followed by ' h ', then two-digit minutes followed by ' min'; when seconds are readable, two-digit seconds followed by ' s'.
11 h 15 min 07 s
